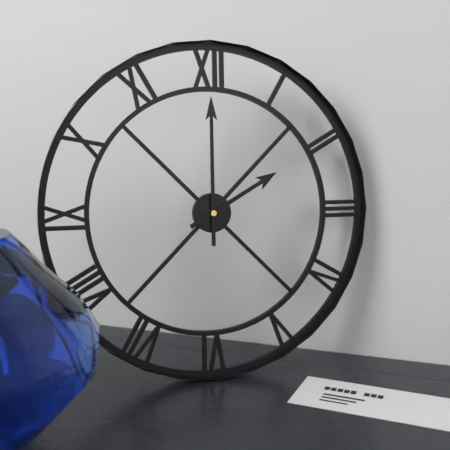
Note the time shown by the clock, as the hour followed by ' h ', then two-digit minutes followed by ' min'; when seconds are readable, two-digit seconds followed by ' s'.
2 h 00 min
